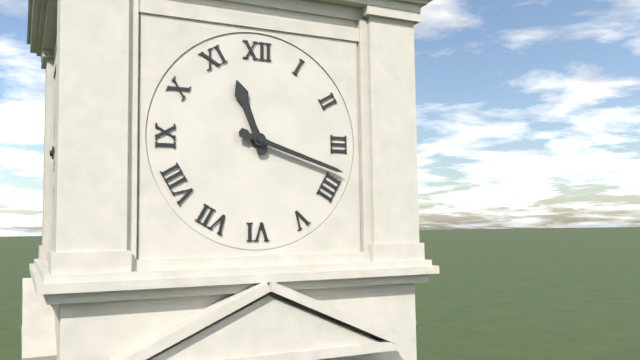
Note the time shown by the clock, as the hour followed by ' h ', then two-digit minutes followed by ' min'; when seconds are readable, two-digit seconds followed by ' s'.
11 h 18 min
